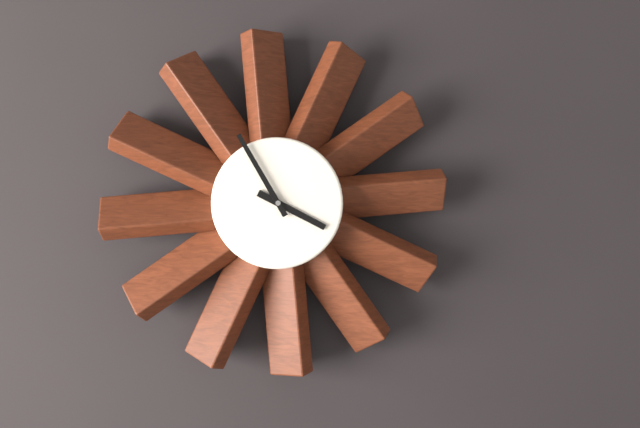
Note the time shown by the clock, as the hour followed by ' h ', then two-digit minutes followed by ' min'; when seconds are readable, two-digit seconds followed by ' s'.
3 h 55 min
